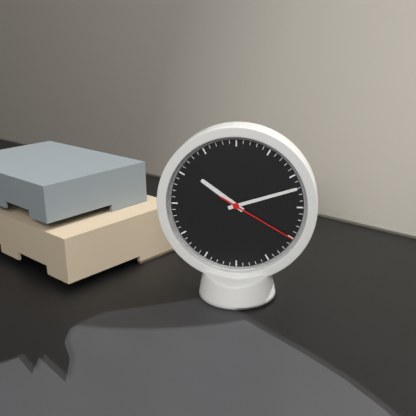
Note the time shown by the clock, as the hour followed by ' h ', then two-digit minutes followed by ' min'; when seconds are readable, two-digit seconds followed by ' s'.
10 h 12 min 20 s
